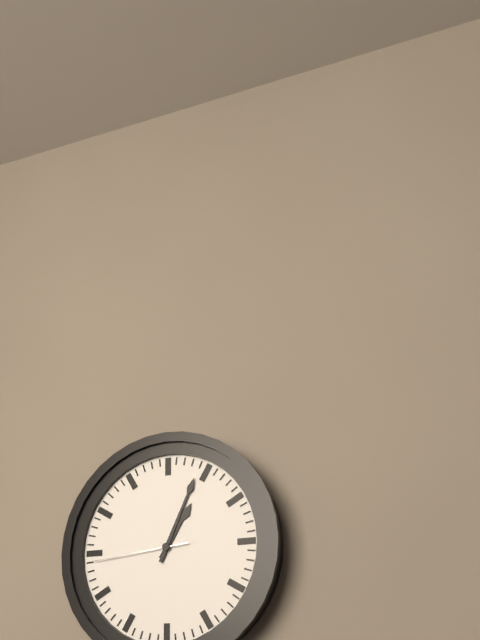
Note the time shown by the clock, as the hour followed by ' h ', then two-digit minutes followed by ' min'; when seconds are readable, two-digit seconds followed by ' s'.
1 h 04 min 44 s
